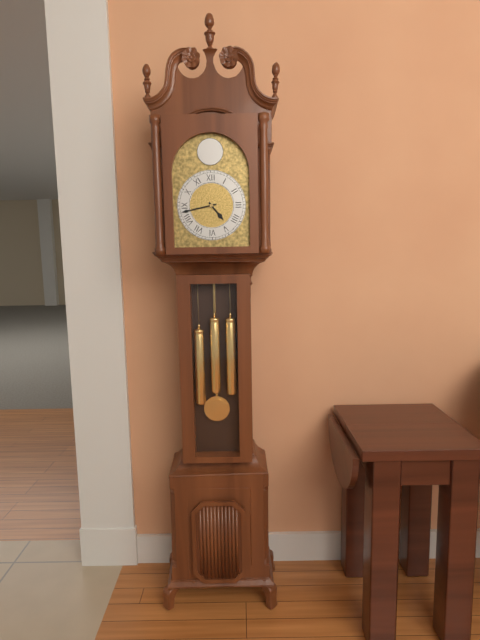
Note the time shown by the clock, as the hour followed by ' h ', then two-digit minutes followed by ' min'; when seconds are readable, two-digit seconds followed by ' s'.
4 h 43 min
